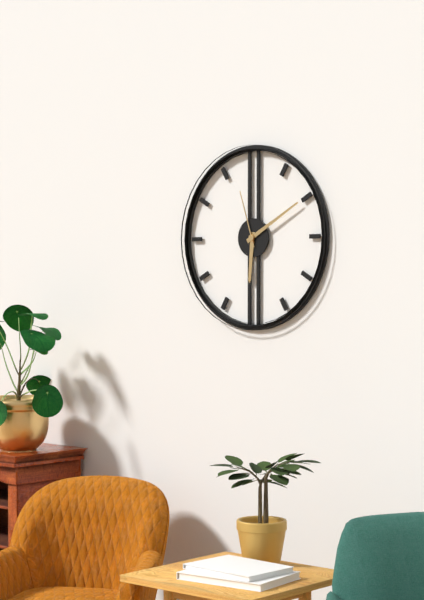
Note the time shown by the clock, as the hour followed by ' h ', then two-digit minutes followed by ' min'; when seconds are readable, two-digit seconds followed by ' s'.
6 h 10 min 57 s
